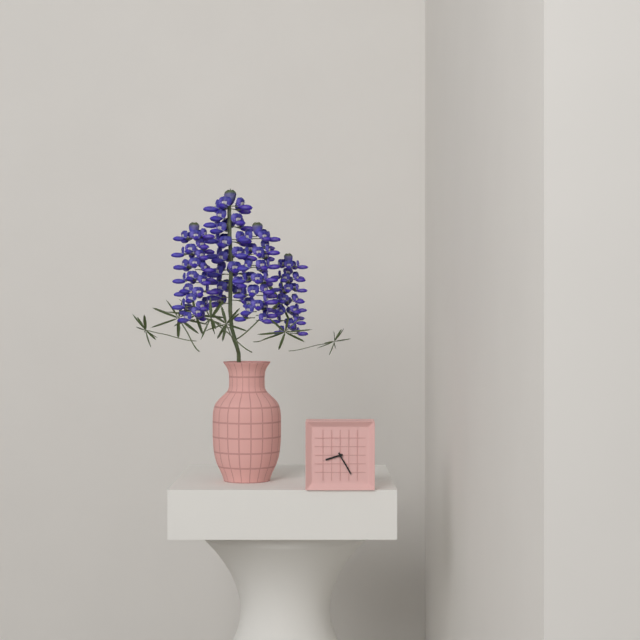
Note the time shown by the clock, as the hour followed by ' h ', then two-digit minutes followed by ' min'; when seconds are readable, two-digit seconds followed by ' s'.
8 h 25 min
